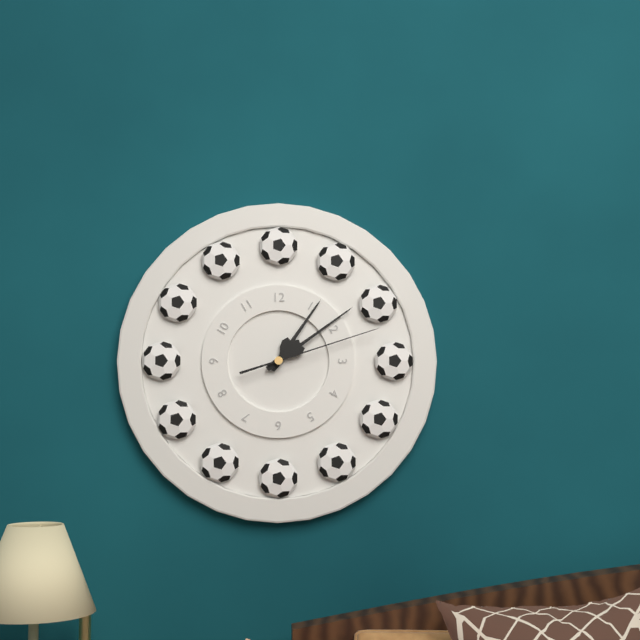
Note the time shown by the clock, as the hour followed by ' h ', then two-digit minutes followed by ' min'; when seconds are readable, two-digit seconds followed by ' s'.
1 h 09 min 12 s
